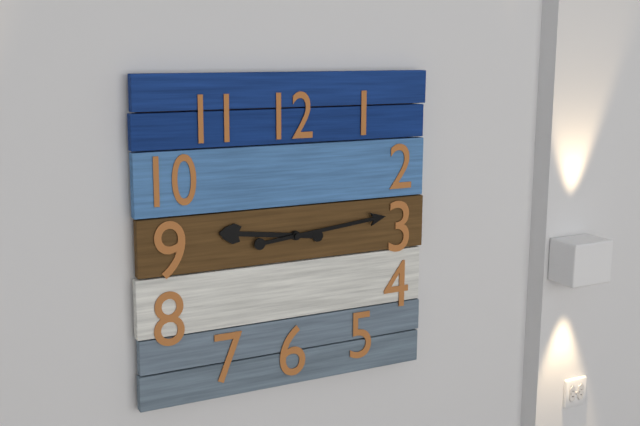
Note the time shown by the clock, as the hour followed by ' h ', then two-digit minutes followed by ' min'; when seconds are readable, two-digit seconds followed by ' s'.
9 h 14 min
